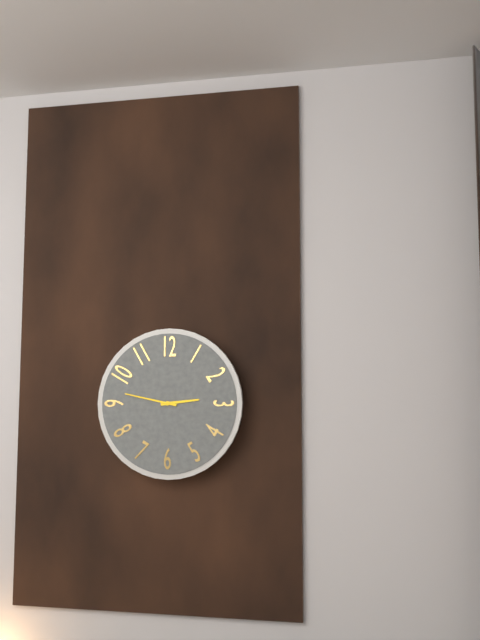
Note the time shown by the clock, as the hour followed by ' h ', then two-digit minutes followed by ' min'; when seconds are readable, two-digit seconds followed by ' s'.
2 h 47 min
